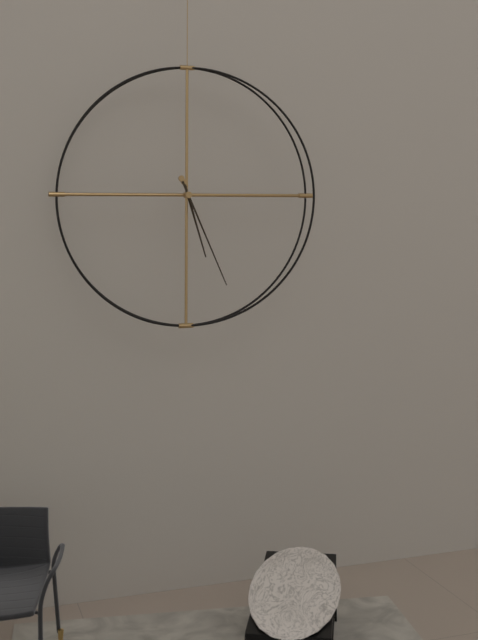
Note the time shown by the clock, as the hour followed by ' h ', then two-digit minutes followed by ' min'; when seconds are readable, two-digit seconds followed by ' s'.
5 h 26 min
